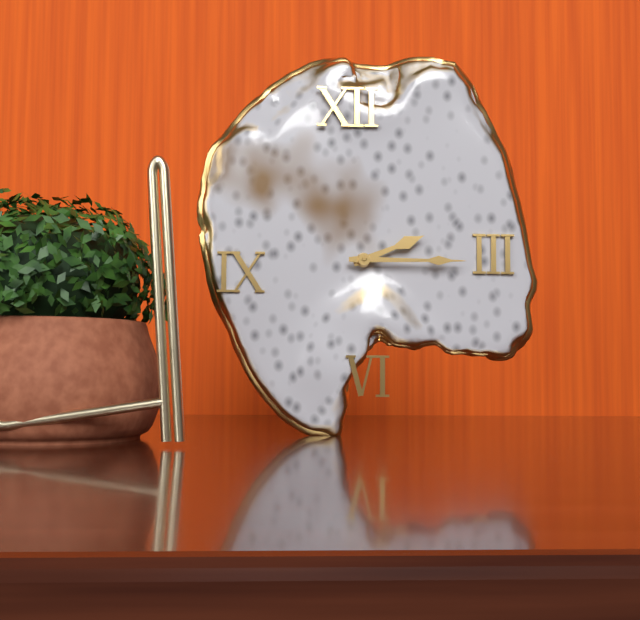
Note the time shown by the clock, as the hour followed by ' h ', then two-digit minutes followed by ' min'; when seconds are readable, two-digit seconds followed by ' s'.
2 h 15 min
